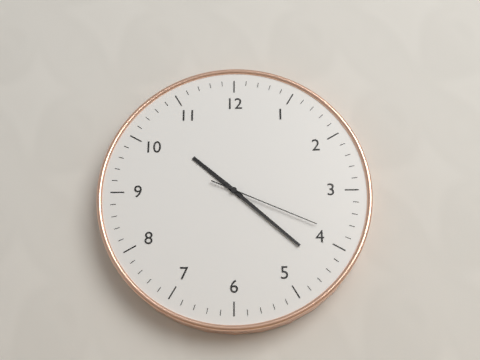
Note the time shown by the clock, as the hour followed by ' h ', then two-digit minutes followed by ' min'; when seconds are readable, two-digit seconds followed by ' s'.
10 h 22 min 19 s
